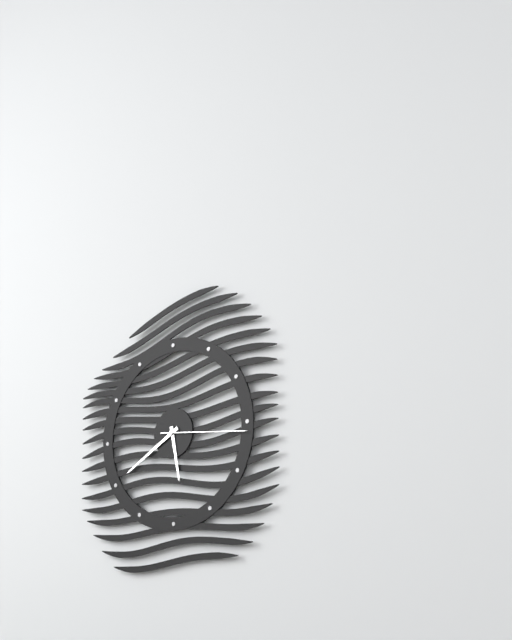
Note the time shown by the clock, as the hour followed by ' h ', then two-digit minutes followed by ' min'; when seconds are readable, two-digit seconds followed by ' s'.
5 h 40 min 16 s
